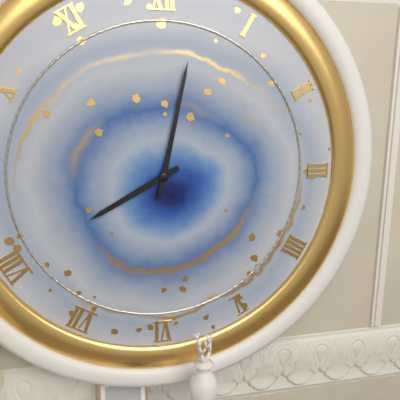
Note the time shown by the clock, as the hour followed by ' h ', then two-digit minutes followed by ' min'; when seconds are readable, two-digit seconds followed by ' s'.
8 h 02 min
